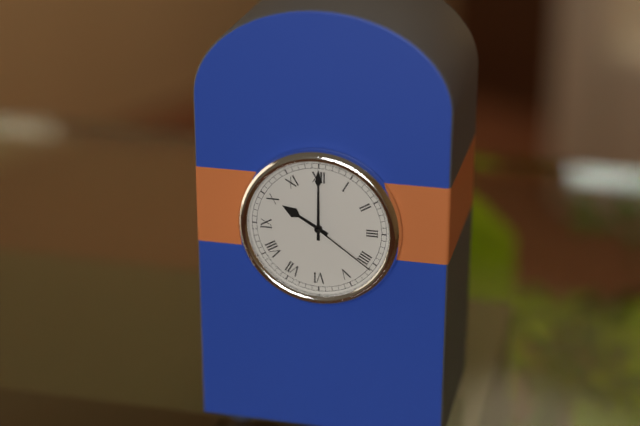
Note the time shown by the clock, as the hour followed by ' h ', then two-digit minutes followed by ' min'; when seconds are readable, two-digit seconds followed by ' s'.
10 h 00 min 21 s
